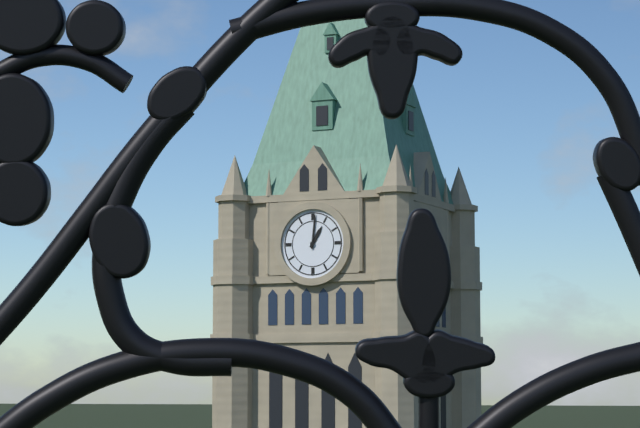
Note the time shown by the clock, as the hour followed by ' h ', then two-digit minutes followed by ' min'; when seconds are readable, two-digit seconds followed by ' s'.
1 h 01 min
